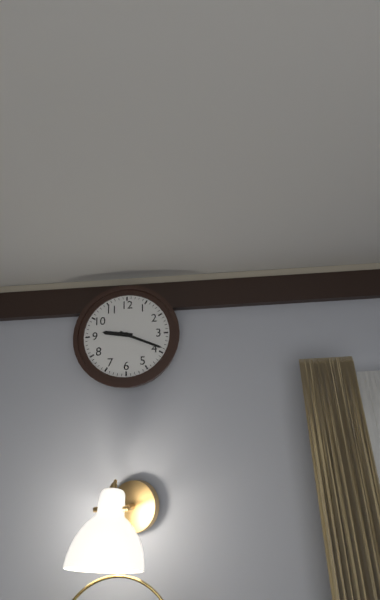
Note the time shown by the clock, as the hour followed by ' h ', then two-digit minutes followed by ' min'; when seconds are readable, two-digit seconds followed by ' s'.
9 h 19 min
